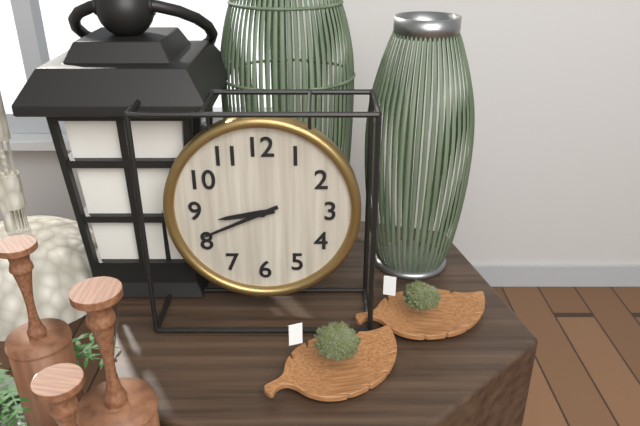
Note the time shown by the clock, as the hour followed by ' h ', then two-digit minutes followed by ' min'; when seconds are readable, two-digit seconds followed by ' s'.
8 h 41 min
